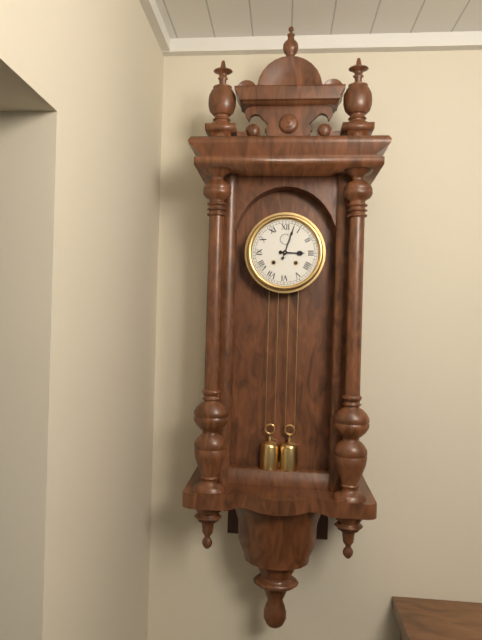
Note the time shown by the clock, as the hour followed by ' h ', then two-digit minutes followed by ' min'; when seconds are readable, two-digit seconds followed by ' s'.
3 h 03 min
